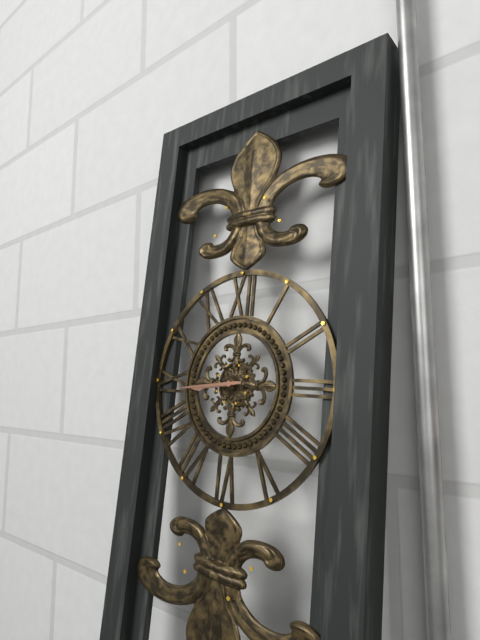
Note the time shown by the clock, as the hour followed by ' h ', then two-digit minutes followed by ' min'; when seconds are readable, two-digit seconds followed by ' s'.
8 h 44 min
